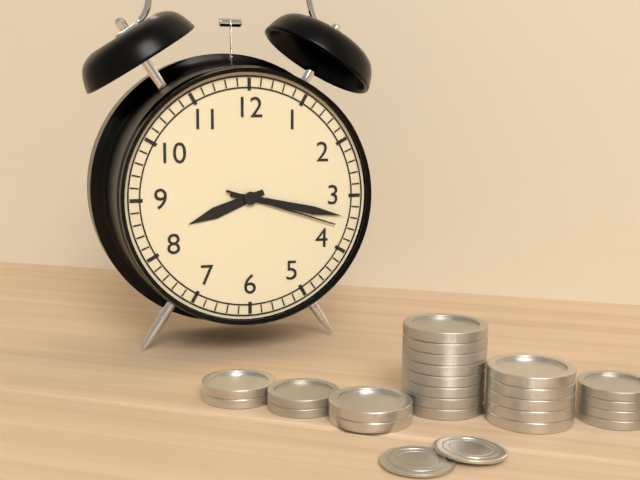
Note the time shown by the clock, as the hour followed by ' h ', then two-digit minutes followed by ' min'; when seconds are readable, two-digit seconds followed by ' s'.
8 h 17 min 18 s
